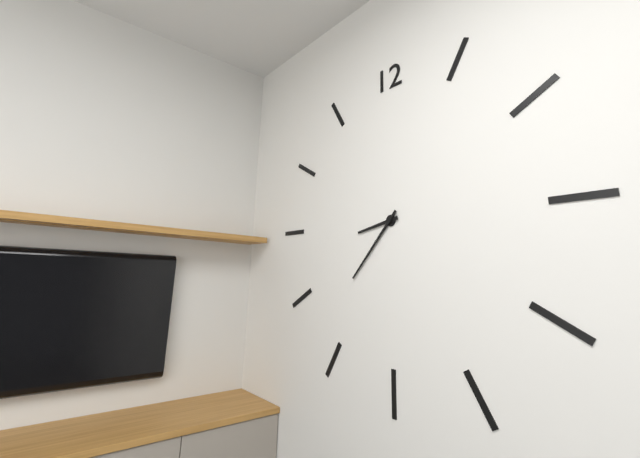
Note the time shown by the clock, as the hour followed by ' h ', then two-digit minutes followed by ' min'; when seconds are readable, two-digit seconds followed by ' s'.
8 h 37 min
